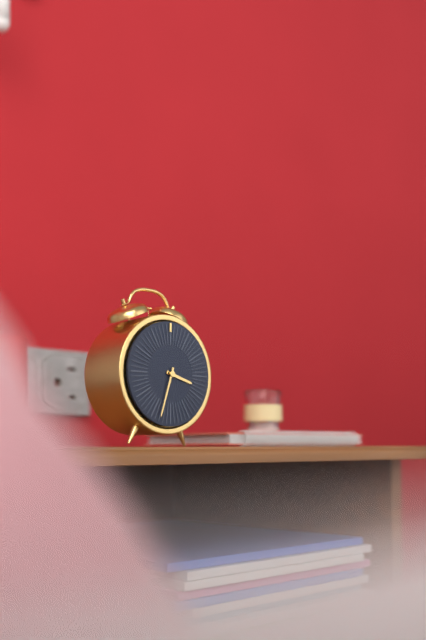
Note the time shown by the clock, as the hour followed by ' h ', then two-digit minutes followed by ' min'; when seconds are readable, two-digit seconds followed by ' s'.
3 h 33 min
